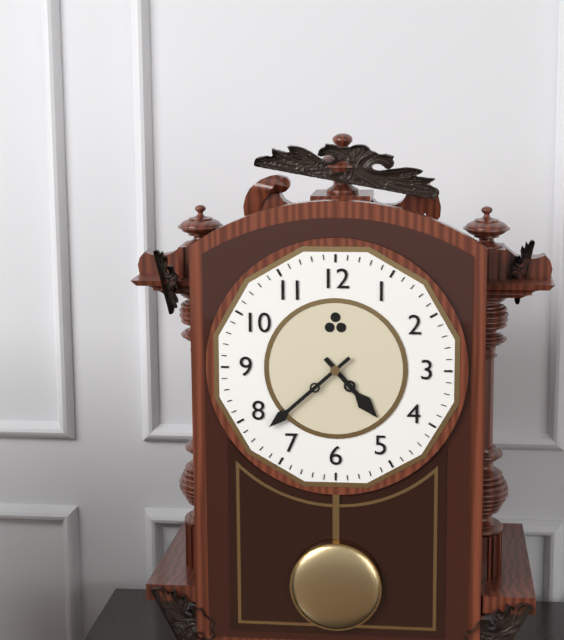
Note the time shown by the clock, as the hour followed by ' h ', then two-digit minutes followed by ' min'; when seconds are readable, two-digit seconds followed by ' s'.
4 h 38 min
